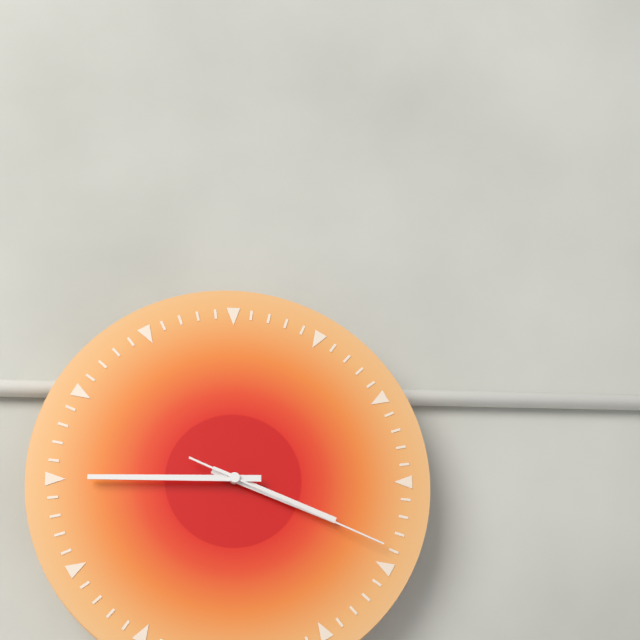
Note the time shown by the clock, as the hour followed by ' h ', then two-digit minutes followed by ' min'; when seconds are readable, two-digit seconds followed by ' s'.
3 h 45 min 19 s
